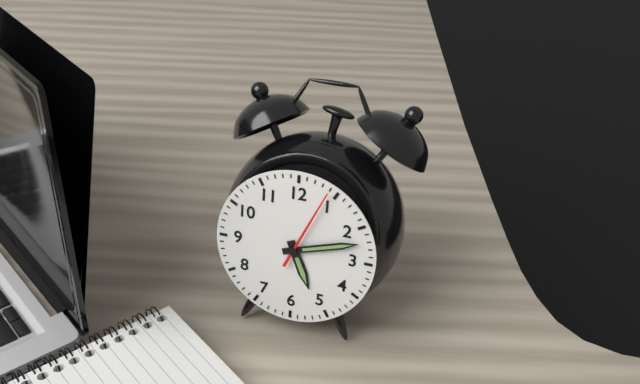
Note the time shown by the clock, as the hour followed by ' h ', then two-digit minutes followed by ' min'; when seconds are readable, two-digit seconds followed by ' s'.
5 h 12 min 04 s
